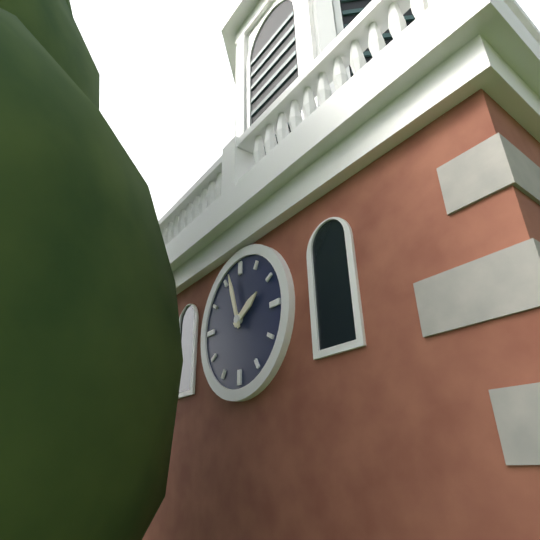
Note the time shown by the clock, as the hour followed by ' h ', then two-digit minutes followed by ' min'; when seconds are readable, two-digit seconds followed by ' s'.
1 h 57 min
